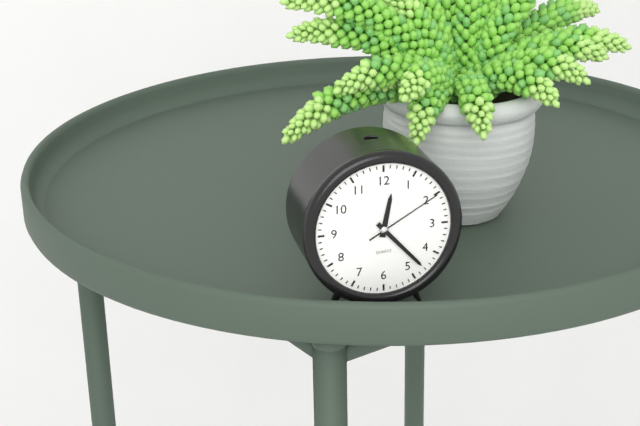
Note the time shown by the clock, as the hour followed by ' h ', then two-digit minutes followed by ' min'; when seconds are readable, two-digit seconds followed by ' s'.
12 h 23 min 10 s
